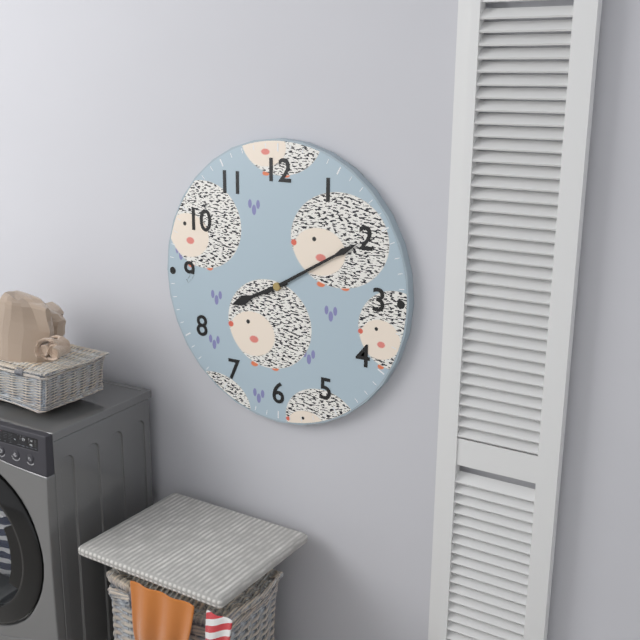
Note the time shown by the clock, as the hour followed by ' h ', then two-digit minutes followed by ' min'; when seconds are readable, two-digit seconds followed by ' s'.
8 h 10 min
